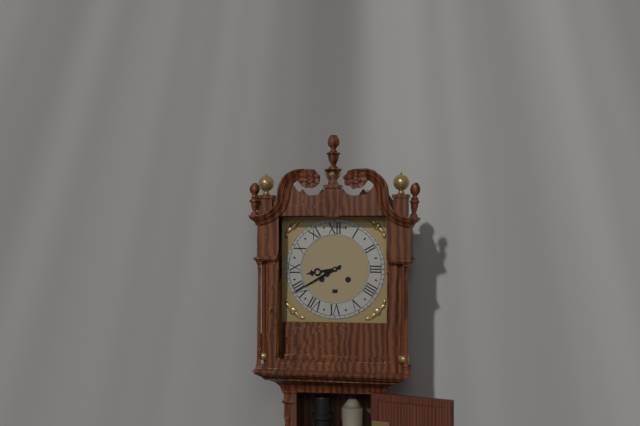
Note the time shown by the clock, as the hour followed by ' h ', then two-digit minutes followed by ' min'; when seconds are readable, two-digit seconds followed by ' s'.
8 h 40 min
